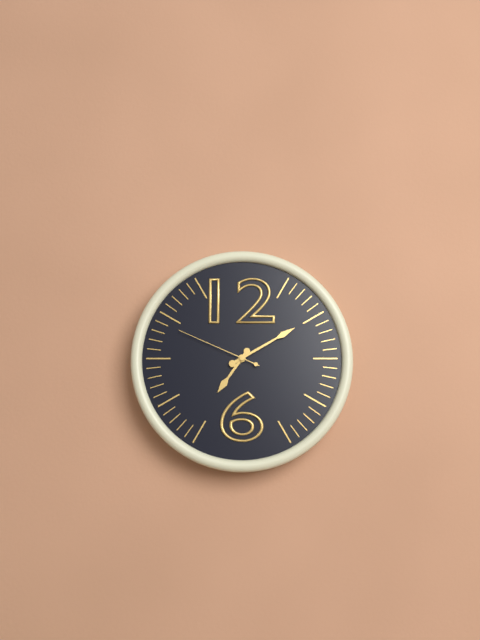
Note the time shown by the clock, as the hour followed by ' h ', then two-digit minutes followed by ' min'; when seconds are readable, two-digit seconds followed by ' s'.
7 h 10 min 49 s
